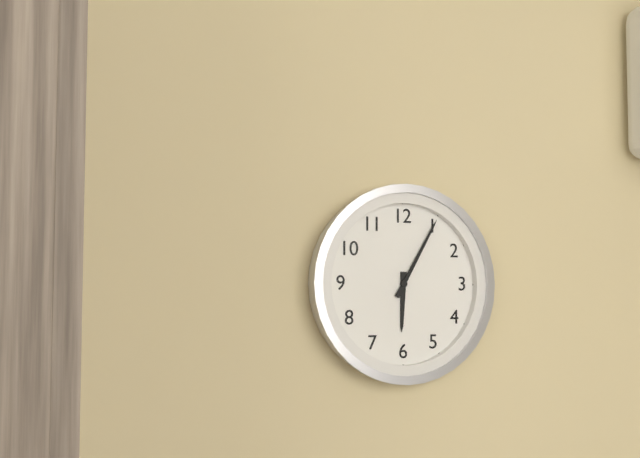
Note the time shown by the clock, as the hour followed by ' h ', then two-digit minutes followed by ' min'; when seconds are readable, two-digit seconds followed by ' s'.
6 h 05 min
